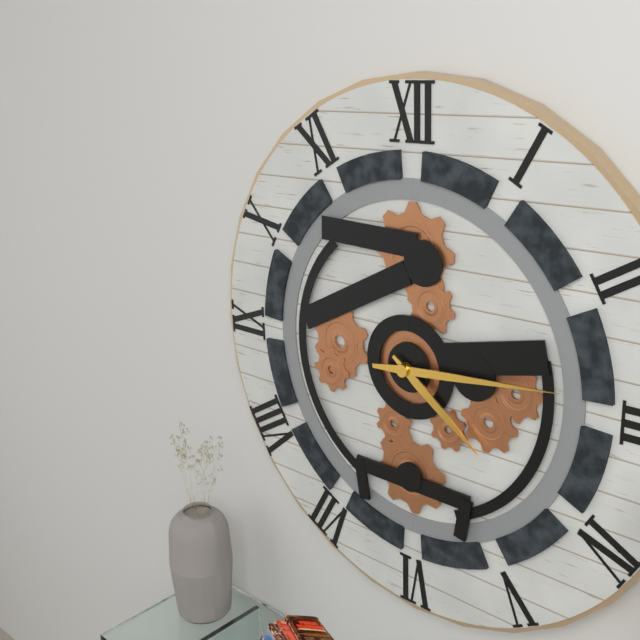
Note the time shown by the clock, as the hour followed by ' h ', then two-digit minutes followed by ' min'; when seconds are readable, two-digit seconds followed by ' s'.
4 h 14 min
